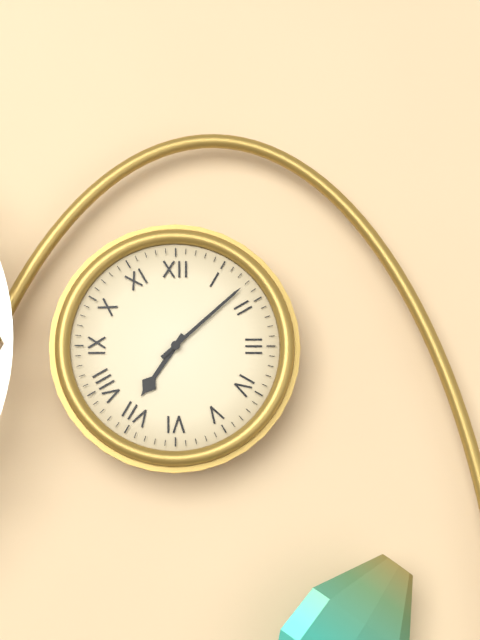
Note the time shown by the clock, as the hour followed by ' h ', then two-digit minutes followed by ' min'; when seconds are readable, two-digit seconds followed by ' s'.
7 h 08 min
